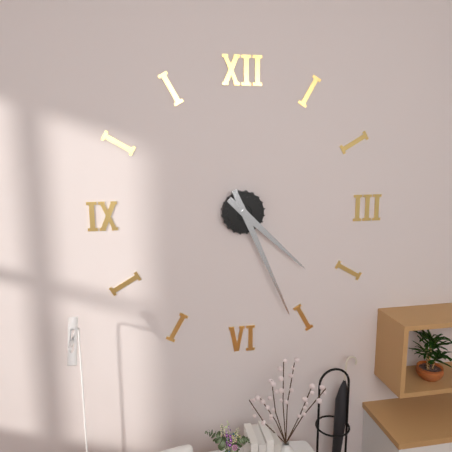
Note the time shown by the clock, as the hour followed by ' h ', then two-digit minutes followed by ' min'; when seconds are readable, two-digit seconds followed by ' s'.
4 h 26 min
